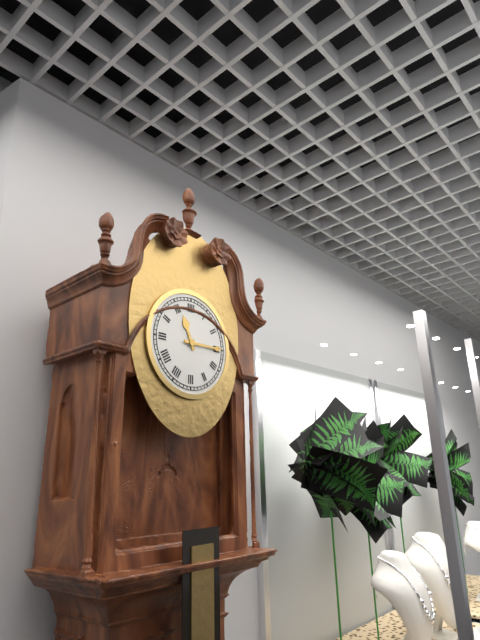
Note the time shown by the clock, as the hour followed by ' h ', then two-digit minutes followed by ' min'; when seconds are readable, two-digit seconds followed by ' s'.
11 h 15 min
